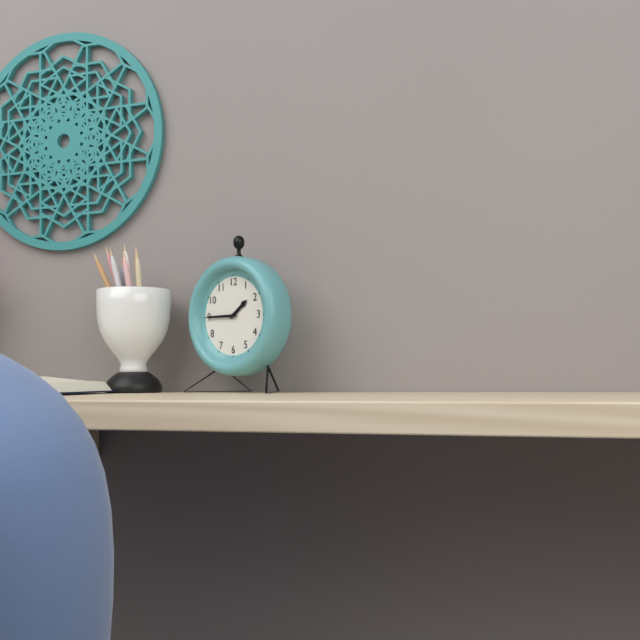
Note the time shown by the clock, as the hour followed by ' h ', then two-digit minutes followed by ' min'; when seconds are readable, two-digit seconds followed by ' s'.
1 h 45 min
